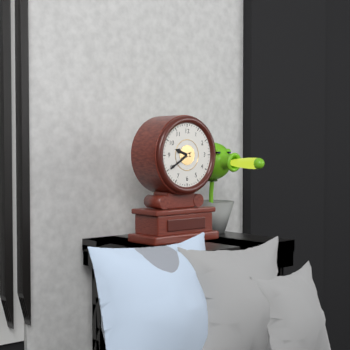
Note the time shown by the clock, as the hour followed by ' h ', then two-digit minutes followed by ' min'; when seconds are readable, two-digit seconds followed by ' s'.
9 h 40 min
